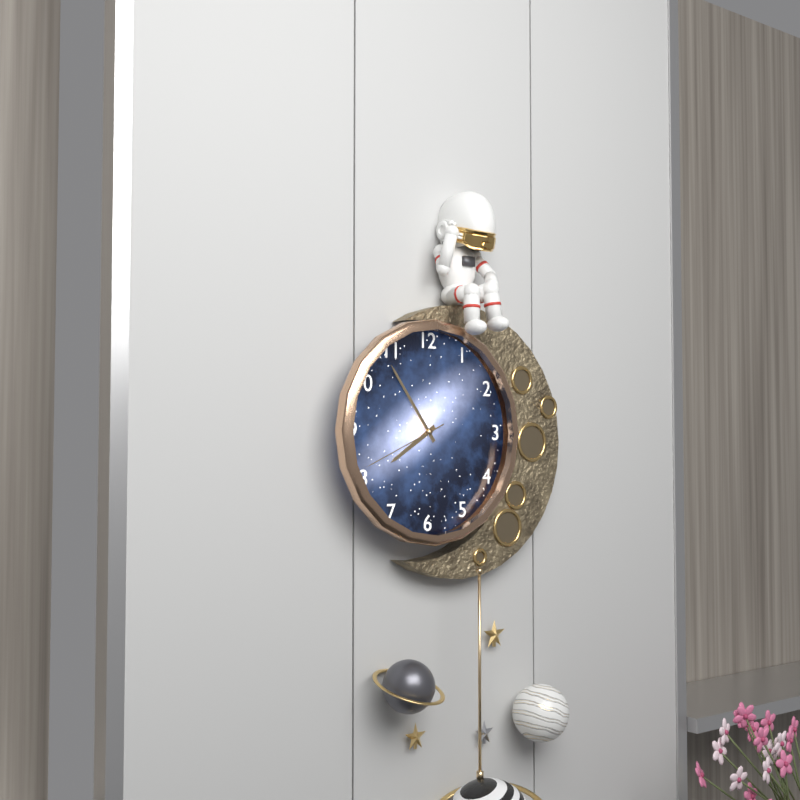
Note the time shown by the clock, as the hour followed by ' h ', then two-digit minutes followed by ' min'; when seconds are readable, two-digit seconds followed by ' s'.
7 h 54 min 41 s
